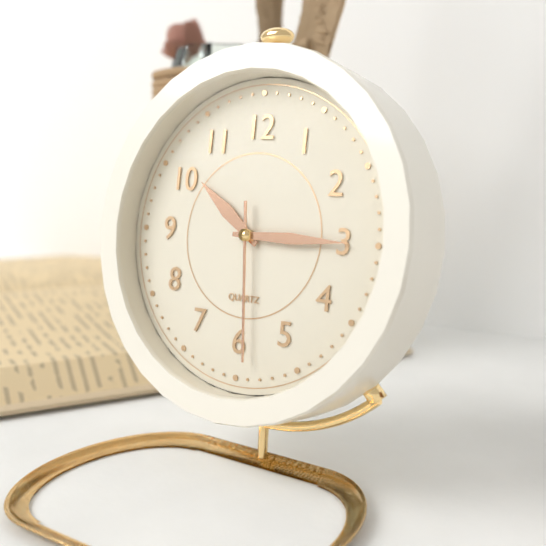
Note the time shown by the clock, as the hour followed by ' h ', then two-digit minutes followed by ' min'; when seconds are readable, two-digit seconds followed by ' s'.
10 h 15 min 29 s
